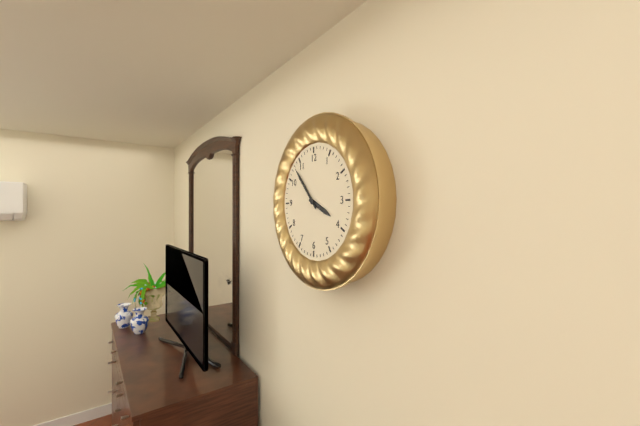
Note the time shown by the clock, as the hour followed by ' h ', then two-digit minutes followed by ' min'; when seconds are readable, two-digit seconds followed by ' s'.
3 h 53 min
